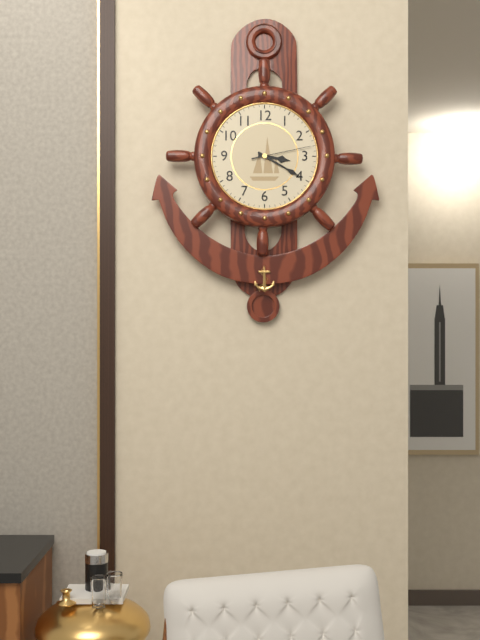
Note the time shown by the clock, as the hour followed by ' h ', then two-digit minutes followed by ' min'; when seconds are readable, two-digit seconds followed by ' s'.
3 h 20 min 13 s
